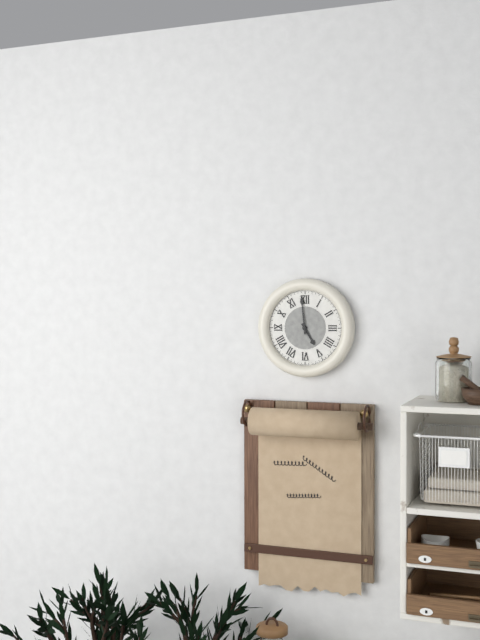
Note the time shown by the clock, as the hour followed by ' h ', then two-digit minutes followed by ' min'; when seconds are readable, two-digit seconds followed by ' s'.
4 h 59 min
